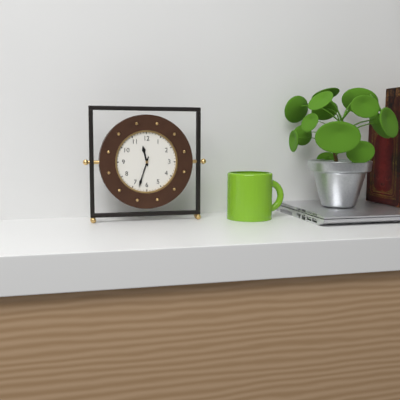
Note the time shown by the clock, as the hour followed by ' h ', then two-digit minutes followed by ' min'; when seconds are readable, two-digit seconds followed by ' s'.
11 h 33 min
